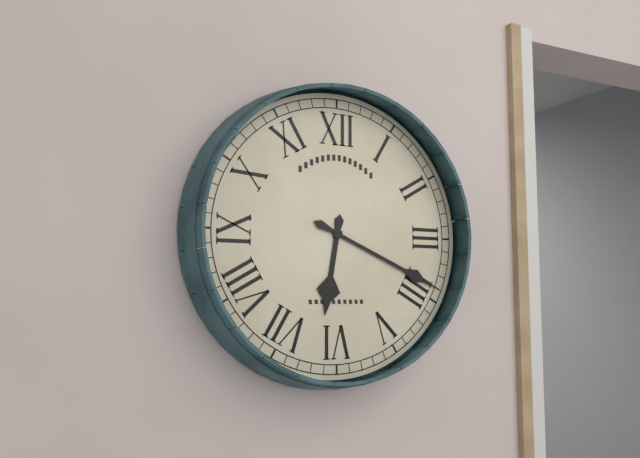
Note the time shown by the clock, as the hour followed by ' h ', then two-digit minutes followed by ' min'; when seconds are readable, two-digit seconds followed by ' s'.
6 h 19 min
